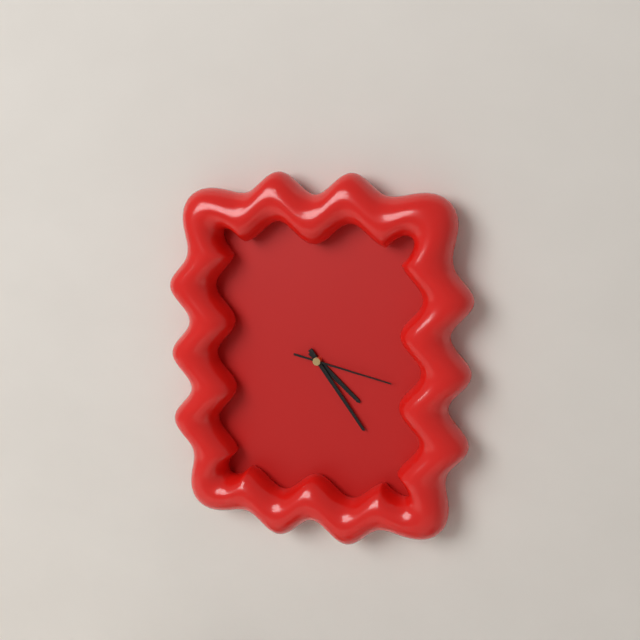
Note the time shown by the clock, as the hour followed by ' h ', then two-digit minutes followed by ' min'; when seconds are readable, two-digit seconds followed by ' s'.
4 h 24 min 17 s
